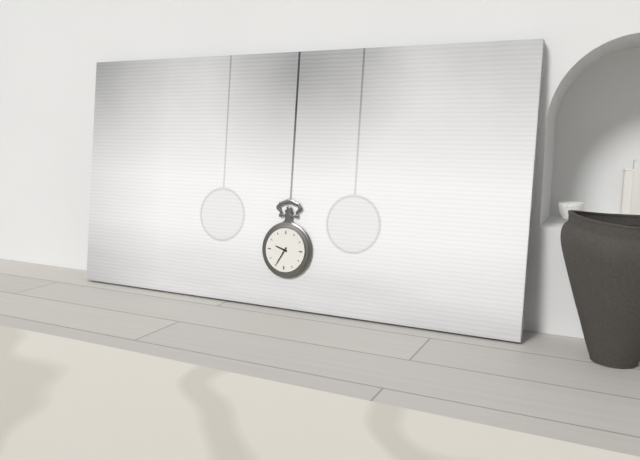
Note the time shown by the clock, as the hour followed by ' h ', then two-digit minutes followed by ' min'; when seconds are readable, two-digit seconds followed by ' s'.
9 h 35 min
